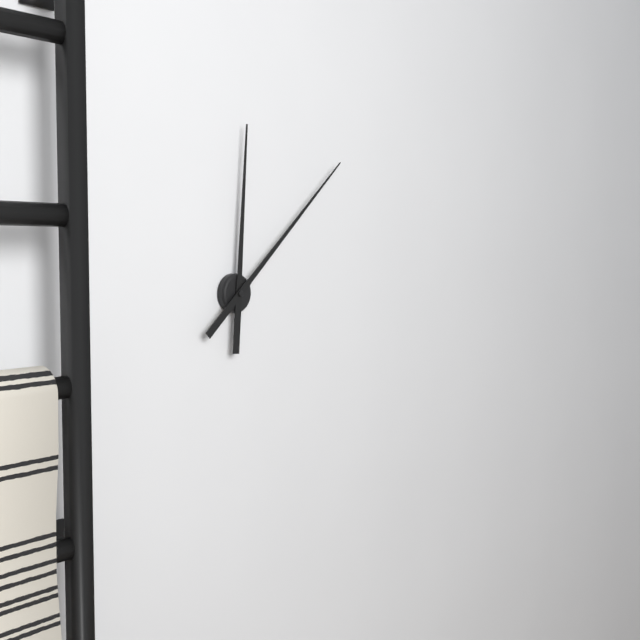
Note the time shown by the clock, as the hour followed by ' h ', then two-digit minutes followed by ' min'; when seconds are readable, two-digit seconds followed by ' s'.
12 h 08 min
